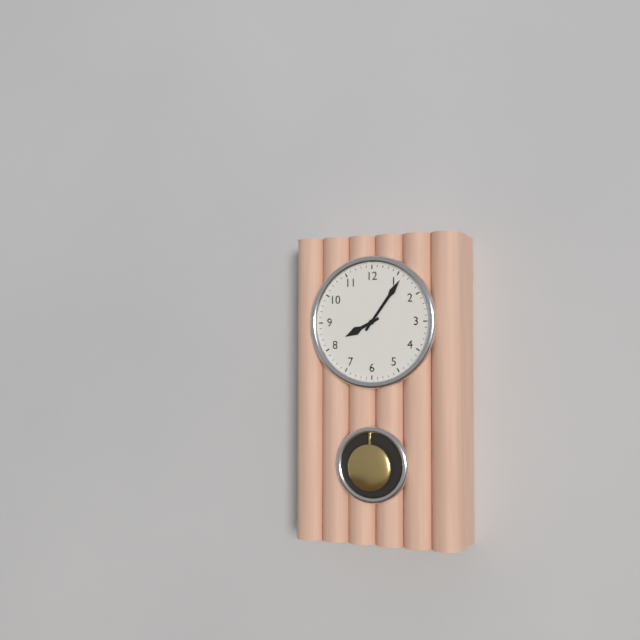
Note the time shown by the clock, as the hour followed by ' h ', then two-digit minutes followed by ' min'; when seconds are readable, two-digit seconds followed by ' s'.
8 h 06 min
